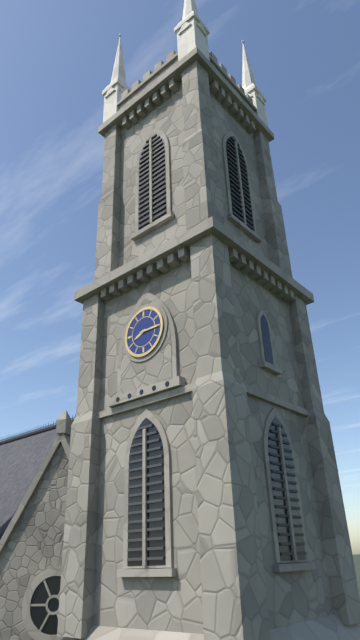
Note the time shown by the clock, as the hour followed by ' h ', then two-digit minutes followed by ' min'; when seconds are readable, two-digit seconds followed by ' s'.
8 h 15 min
